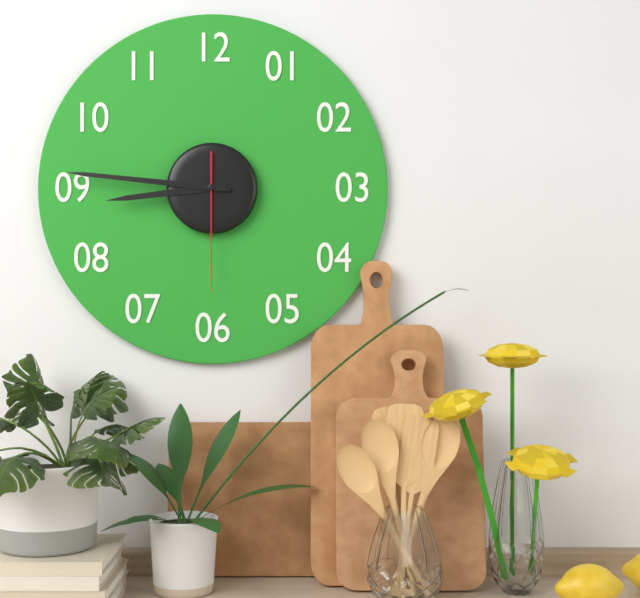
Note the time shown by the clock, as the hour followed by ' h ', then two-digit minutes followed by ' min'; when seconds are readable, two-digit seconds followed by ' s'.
8 h 46 min 30 s
